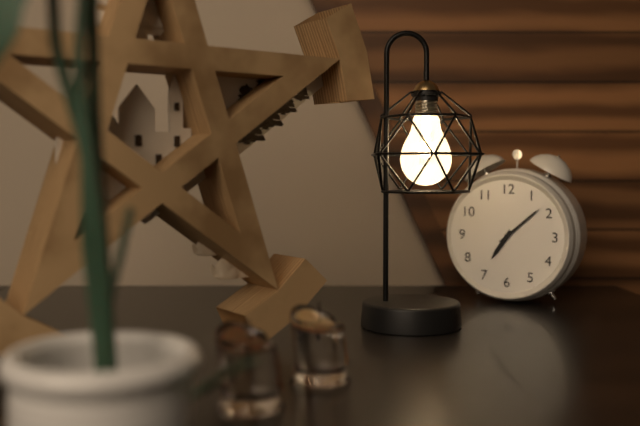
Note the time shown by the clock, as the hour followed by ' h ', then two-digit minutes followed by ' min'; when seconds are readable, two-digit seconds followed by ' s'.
7 h 08 min
